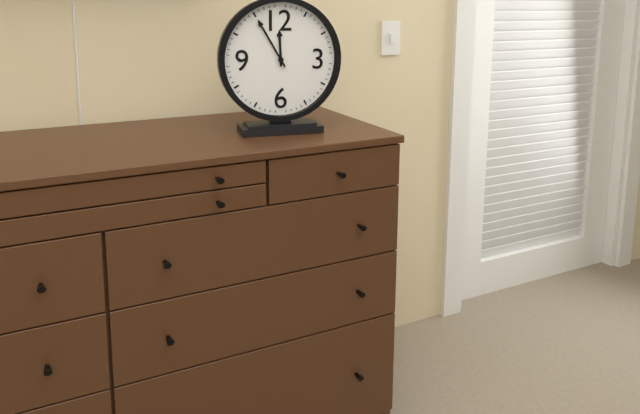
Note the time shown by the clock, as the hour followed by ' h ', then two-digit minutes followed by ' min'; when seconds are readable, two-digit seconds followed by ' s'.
11 h 55 min
